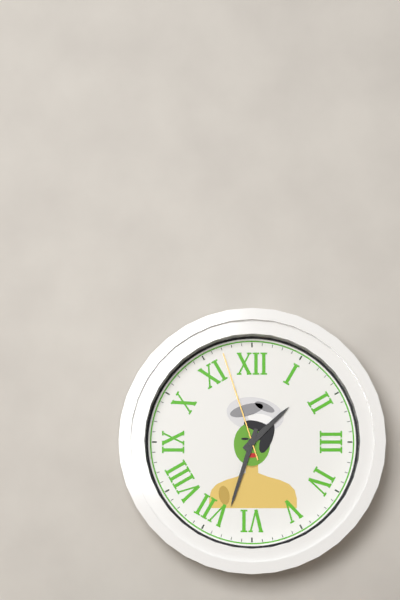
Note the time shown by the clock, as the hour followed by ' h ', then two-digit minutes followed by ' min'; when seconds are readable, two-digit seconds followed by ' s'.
1 h 33 min 57 s
